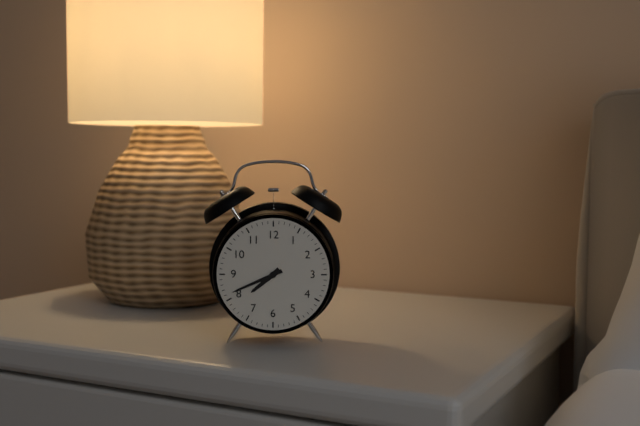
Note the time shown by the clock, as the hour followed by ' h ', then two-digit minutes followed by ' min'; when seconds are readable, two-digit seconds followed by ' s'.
7 h 41 min
